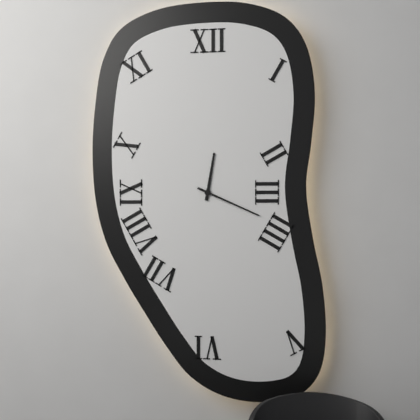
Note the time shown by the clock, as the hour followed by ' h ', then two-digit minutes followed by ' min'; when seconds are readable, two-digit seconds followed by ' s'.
12 h 19 min
